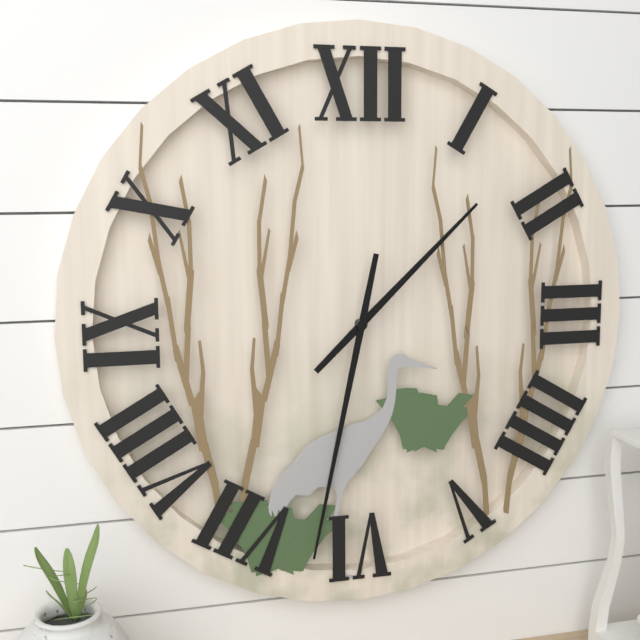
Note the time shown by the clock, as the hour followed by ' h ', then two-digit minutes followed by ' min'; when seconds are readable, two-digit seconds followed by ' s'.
1 h 32 min
